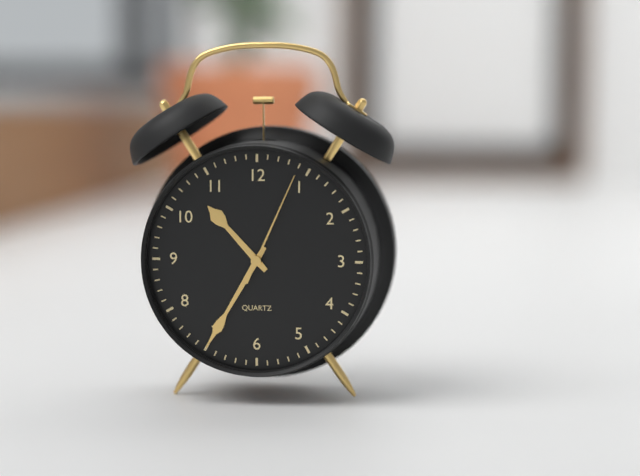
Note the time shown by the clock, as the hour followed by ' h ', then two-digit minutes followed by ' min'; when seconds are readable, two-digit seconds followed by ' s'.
10 h 35 min 04 s
